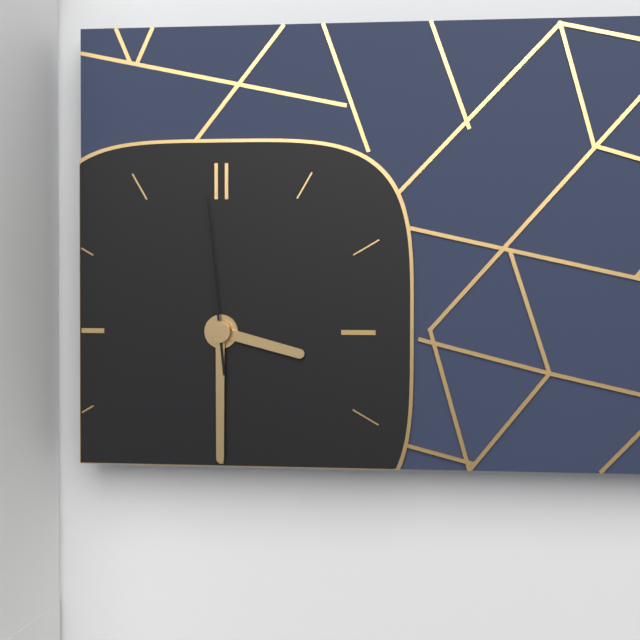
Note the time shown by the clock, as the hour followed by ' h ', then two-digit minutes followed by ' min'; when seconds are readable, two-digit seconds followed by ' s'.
3 h 30 min 59 s
